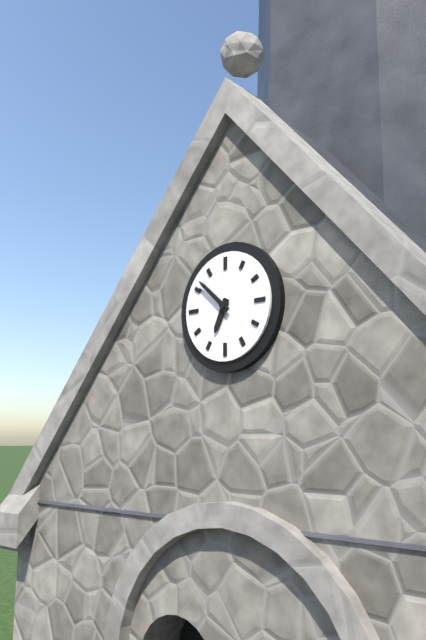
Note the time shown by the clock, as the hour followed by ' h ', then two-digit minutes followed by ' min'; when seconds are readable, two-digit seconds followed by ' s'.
6 h 52 min
